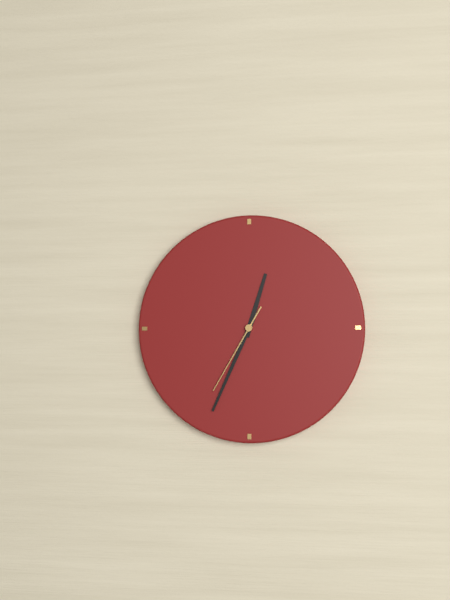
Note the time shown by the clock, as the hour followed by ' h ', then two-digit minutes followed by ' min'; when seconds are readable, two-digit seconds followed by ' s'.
12 h 34 min 35 s
